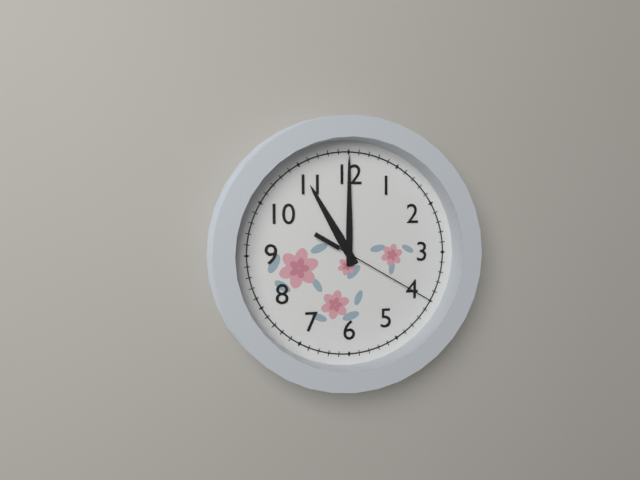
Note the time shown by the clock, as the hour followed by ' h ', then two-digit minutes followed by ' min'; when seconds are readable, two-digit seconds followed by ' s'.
11 h 00 min 20 s
